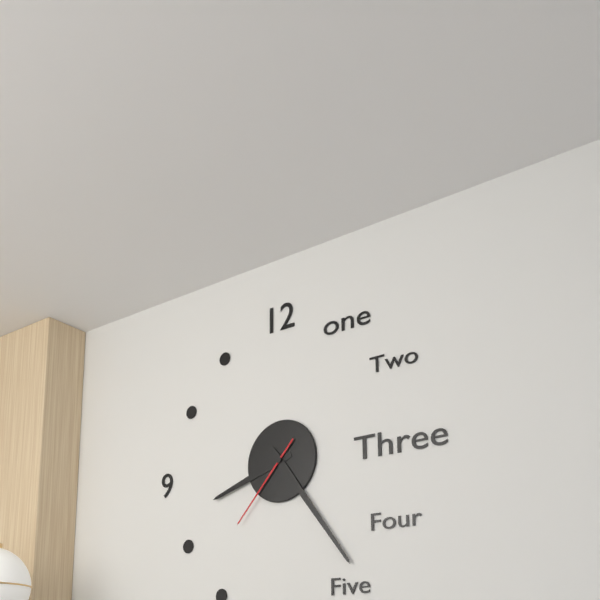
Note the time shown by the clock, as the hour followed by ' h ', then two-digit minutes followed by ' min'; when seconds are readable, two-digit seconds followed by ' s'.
8 h 24 min 37 s
